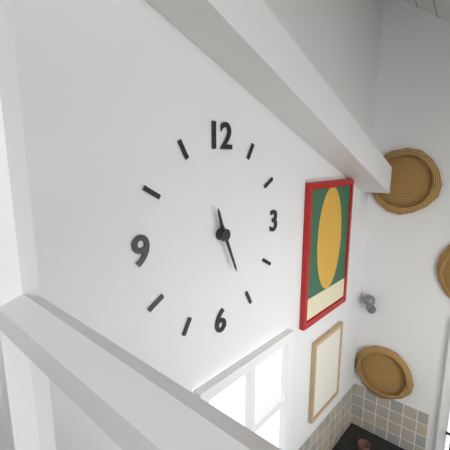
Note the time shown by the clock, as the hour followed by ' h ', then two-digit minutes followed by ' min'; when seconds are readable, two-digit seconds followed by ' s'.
11 h 26 min
